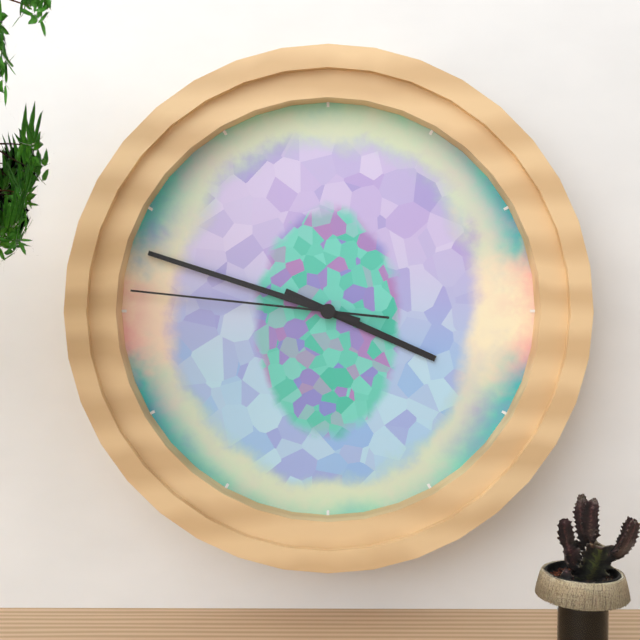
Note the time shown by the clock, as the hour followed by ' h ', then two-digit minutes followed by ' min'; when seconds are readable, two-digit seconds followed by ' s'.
3 h 48 min 46 s
